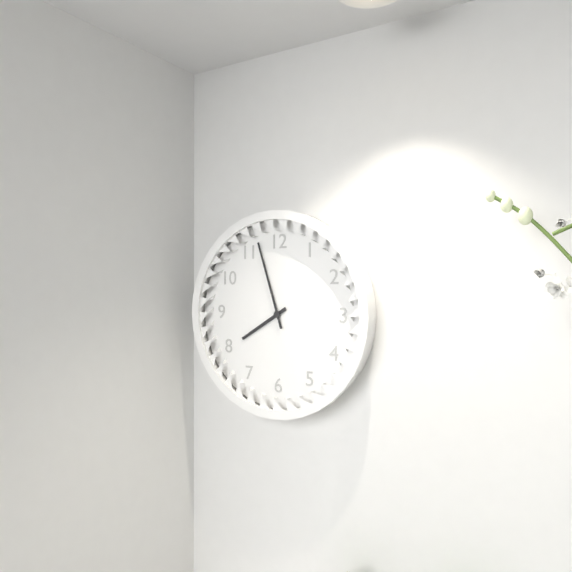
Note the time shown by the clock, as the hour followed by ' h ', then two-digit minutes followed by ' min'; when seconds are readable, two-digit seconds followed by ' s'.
7 h 57 min
